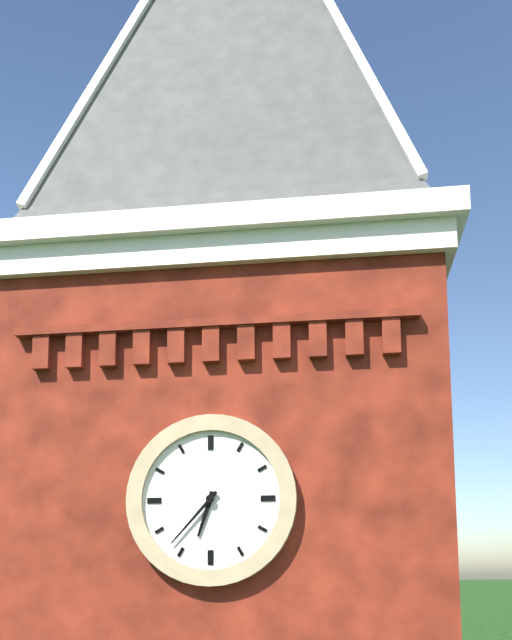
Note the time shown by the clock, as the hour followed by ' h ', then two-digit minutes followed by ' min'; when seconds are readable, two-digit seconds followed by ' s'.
6 h 37 min
